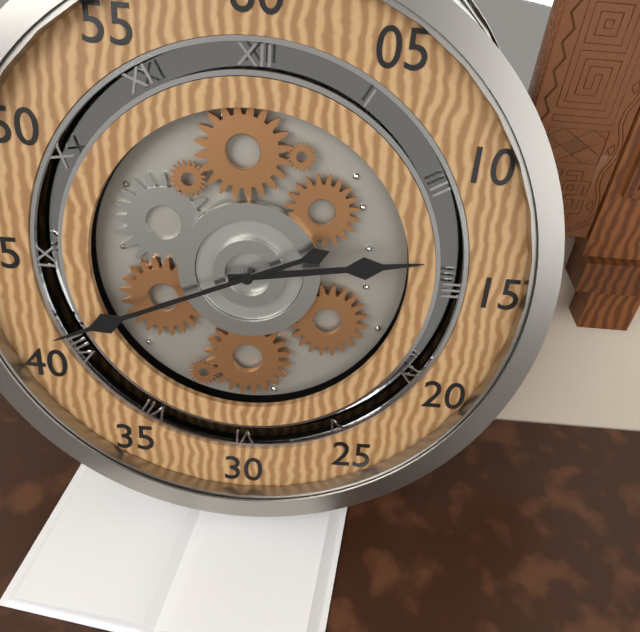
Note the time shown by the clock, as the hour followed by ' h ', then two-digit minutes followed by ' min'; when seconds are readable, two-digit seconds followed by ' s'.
2 h 41 min
